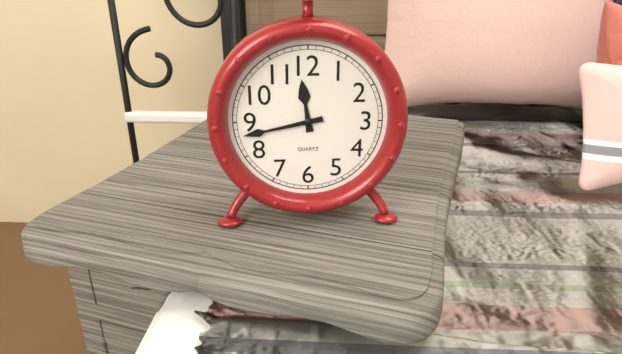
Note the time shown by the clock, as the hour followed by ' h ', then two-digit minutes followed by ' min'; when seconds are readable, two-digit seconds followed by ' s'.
11 h 43 min
